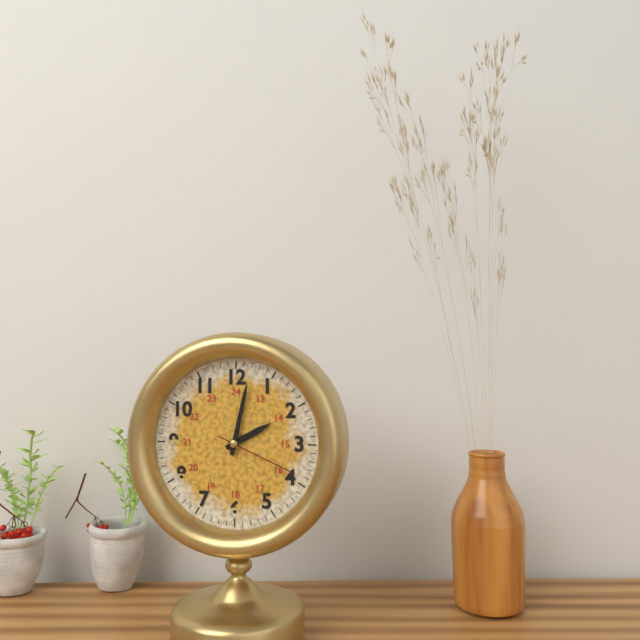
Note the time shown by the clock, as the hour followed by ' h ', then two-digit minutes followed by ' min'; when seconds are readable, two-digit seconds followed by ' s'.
2 h 02 min 19 s
